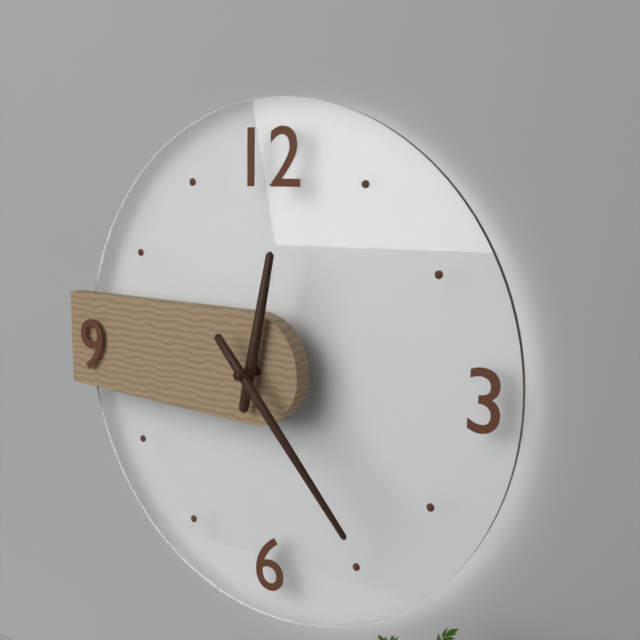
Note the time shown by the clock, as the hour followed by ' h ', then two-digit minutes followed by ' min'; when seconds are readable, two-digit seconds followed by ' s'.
12 h 23 min
